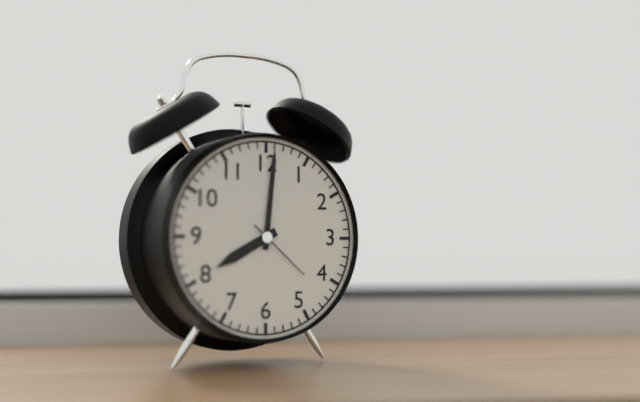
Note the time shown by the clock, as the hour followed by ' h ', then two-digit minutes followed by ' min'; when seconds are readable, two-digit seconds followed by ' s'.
8 h 01 min 22 s
